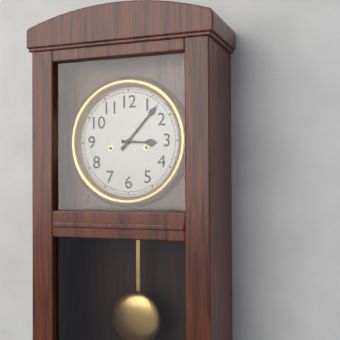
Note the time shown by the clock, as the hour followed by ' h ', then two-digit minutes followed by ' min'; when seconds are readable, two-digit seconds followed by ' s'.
3 h 07 min
